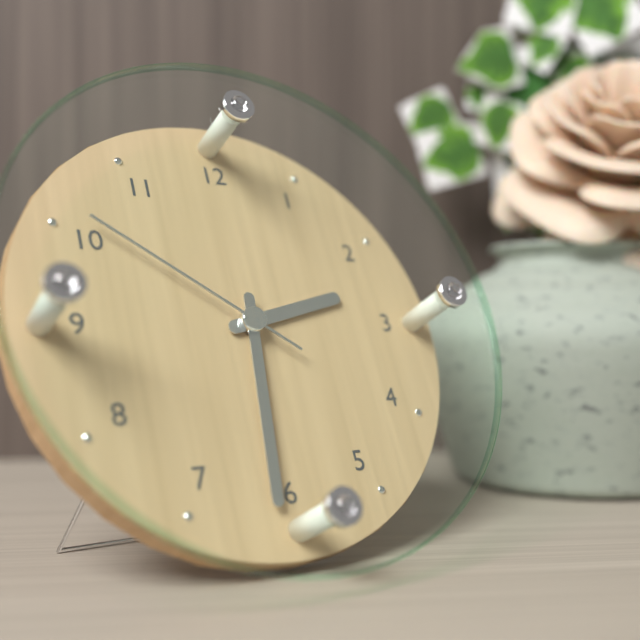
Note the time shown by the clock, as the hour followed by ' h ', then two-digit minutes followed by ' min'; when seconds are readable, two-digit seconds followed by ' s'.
2 h 31 min 51 s
